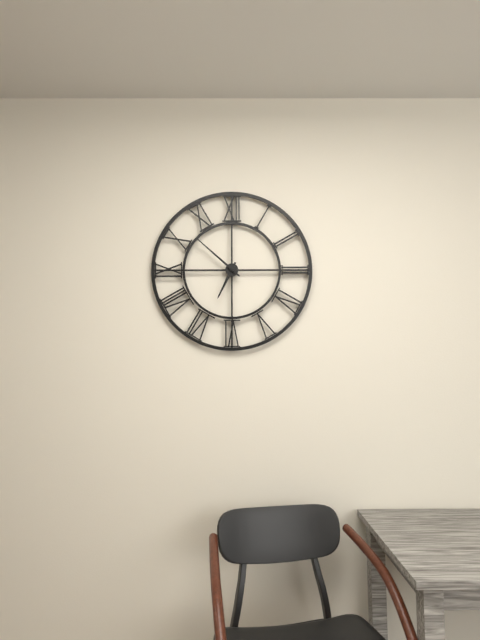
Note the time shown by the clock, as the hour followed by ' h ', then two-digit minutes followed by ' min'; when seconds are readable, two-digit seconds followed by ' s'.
6 h 52 min
